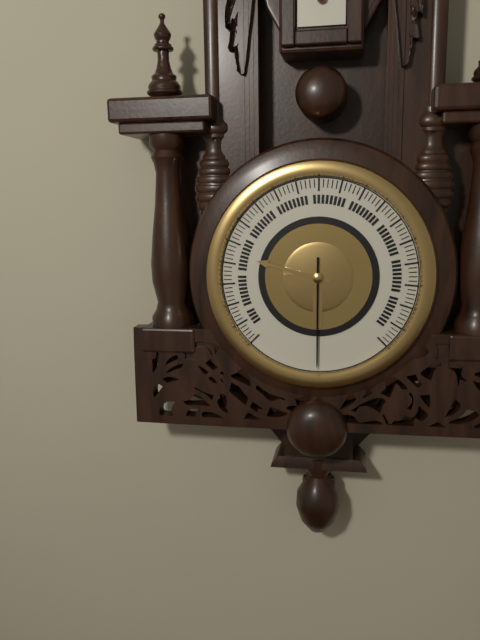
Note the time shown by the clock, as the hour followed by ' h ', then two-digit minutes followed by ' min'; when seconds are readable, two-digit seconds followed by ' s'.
9 h 30 min
